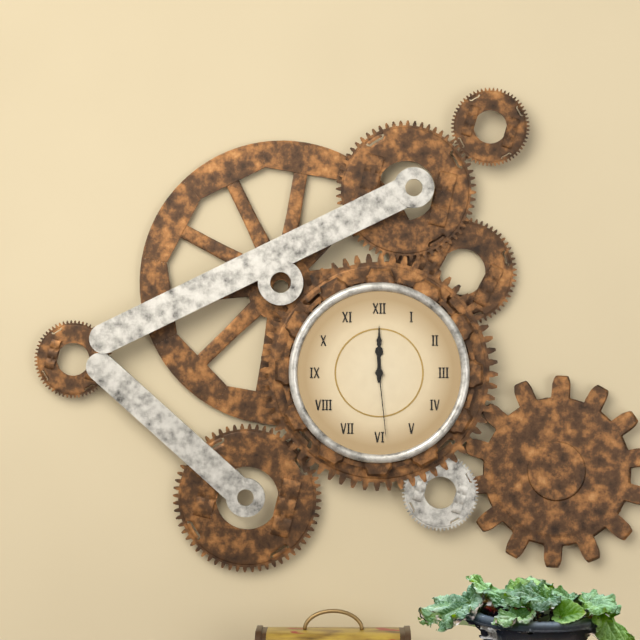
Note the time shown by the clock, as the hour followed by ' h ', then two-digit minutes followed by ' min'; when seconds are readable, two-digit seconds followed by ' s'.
12 h 00 min 29 s
